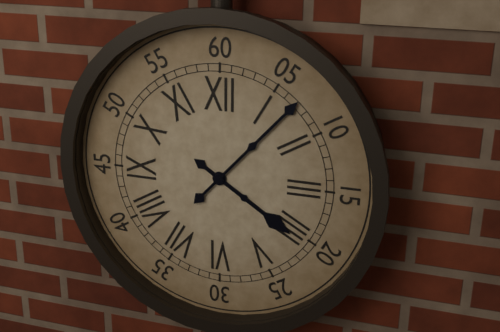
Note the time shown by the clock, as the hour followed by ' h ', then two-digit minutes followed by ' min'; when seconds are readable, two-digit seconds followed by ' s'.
4 h 07 min
